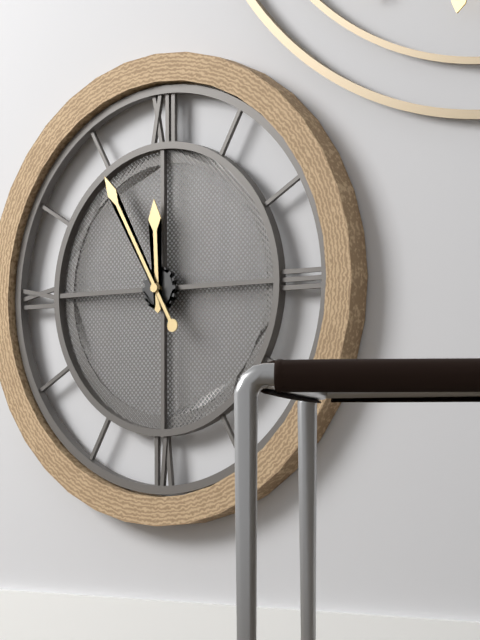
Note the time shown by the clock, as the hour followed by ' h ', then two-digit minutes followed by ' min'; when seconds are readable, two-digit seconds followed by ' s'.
11 h 55 min
